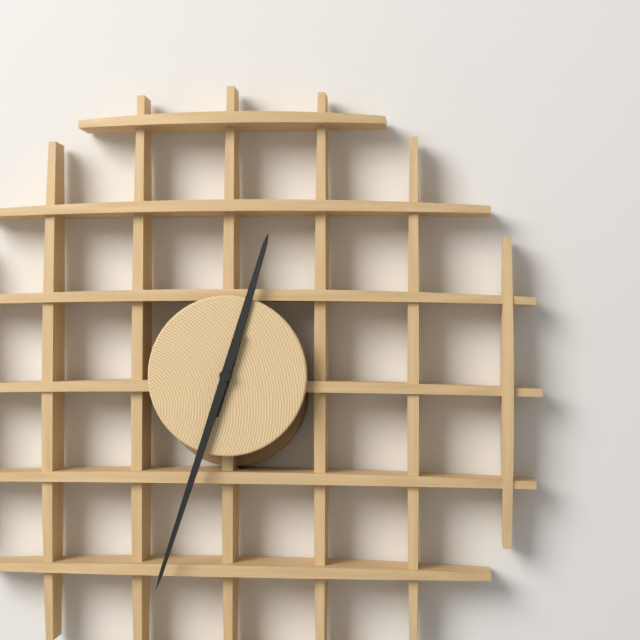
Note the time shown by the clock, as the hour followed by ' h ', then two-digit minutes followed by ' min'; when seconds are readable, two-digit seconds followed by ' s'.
12 h 33 min
